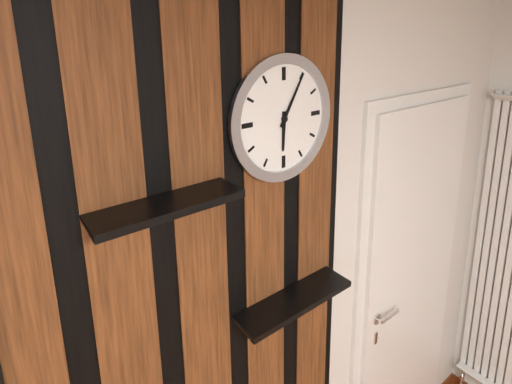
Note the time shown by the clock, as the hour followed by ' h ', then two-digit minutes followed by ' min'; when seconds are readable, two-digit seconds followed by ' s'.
6 h 05 min
